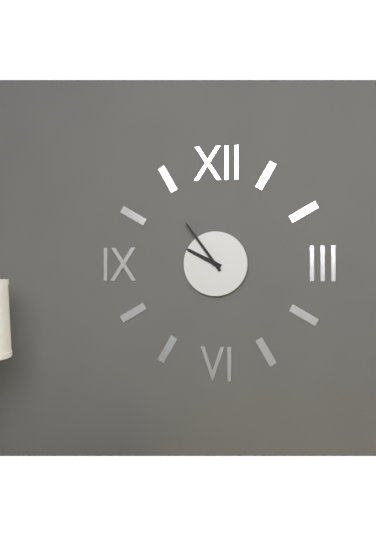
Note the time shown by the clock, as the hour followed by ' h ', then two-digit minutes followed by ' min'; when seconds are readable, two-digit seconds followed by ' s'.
9 h 54 min
